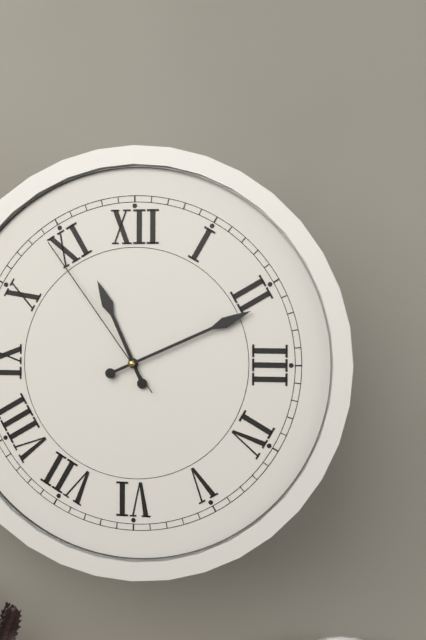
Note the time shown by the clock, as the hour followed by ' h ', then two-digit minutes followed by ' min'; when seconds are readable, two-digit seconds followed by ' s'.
11 h 11 min 54 s
